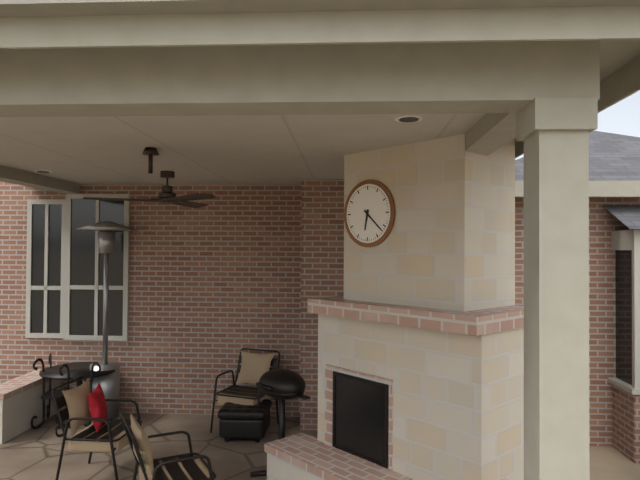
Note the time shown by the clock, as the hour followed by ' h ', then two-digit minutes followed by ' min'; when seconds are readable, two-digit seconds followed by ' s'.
6 h 22 min
